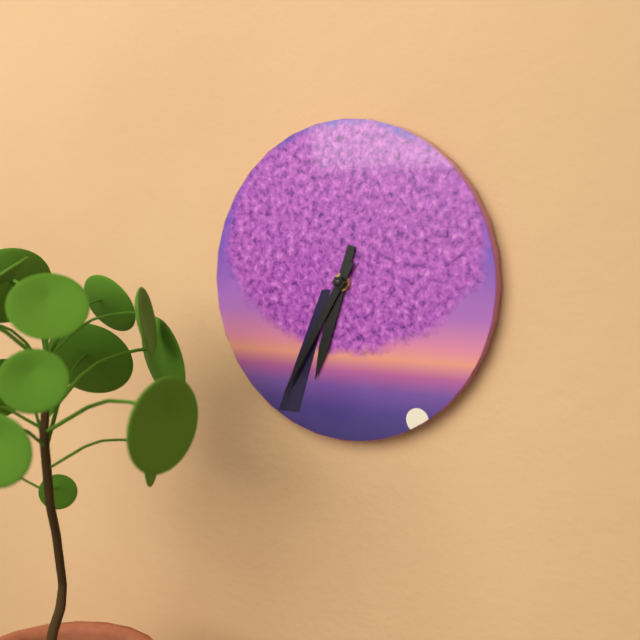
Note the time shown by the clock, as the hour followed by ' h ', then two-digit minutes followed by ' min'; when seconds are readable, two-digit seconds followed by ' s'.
6 h 35 min
